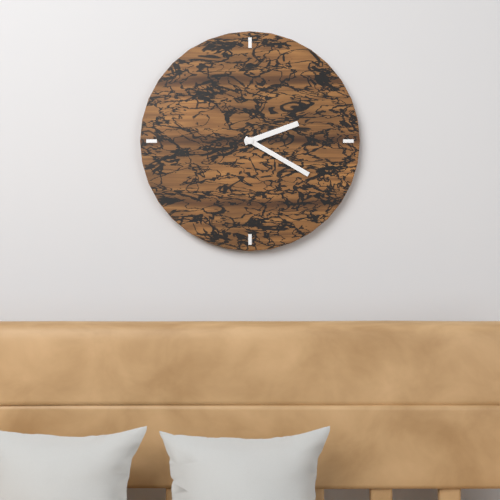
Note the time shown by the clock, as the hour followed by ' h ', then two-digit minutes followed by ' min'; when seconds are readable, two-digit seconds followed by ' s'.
2 h 20 min
